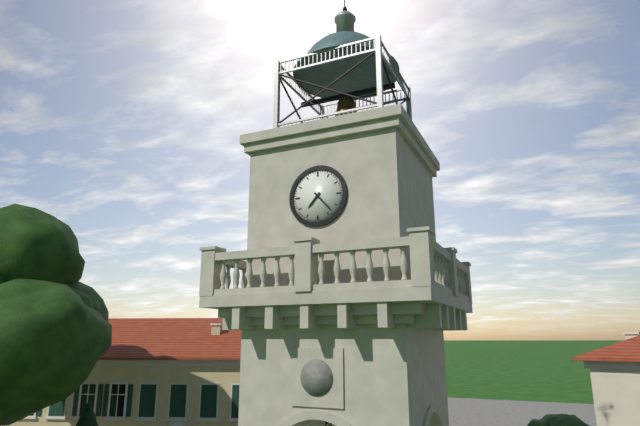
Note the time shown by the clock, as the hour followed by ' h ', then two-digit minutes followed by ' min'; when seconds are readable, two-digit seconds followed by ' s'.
7 h 23 min
